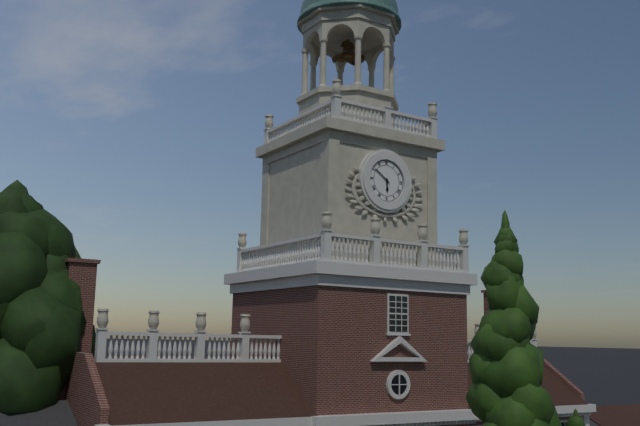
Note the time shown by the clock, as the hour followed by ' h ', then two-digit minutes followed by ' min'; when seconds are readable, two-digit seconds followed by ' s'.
5 h 51 min
